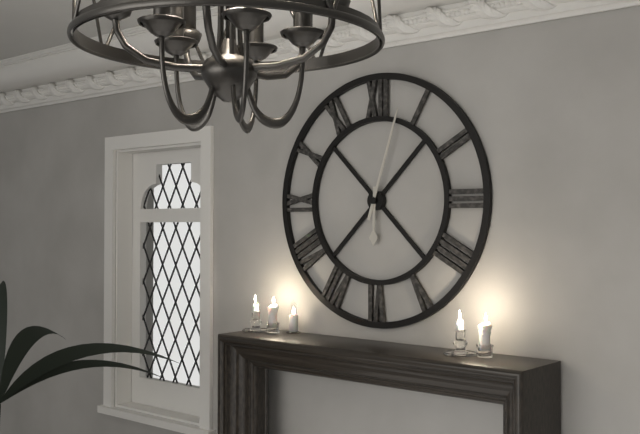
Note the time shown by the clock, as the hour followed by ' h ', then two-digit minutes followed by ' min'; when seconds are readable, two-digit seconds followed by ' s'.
6 h 03 min
